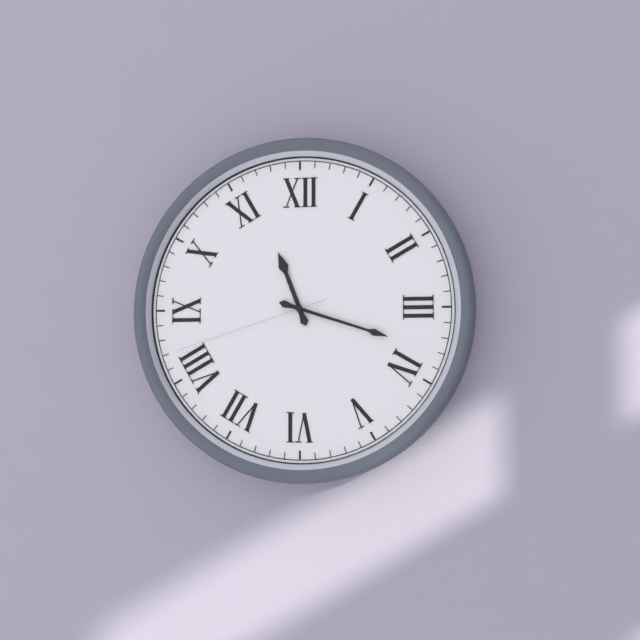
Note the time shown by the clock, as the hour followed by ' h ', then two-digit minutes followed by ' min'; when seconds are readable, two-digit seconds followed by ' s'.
11 h 18 min 42 s
